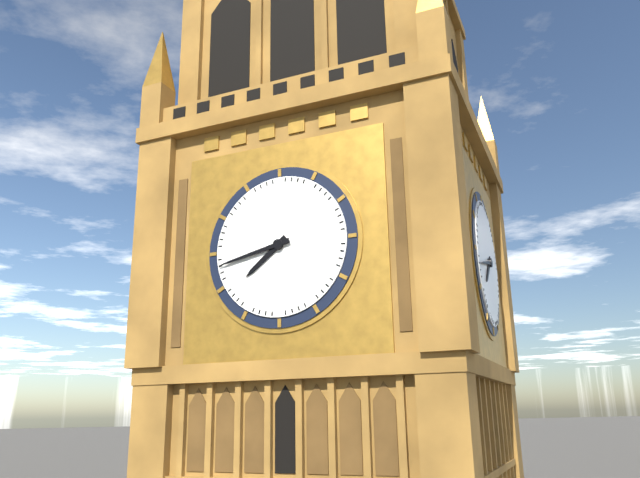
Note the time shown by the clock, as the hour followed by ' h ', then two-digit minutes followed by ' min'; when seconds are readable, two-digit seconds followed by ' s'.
7 h 43 min
